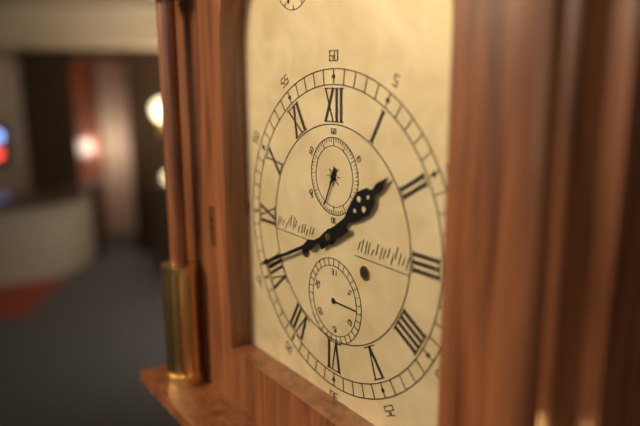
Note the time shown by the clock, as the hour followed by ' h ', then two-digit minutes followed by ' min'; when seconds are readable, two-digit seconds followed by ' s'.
1 h 41 min
